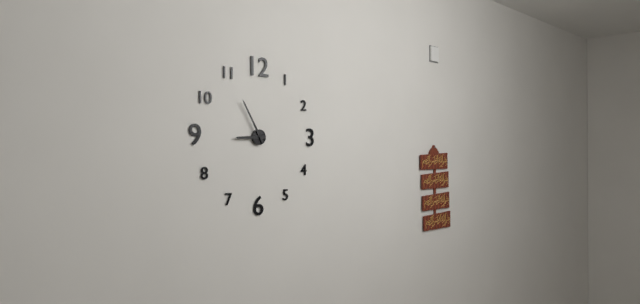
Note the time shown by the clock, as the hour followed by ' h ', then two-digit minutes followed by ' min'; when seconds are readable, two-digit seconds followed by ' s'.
8 h 55 min
